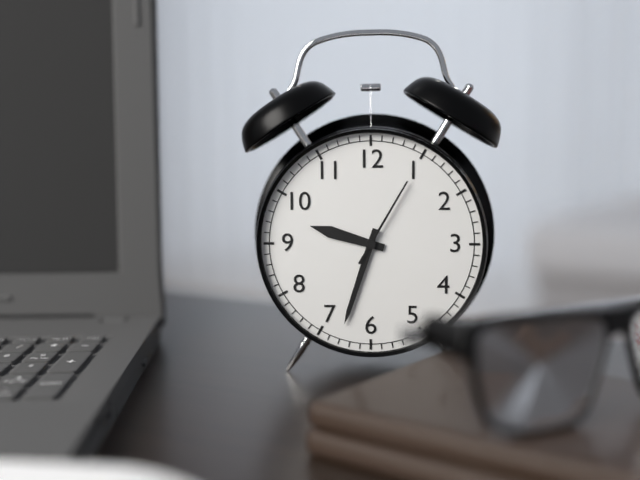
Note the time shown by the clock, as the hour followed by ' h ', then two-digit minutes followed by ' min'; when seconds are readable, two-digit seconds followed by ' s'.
9 h 33 min 05 s
